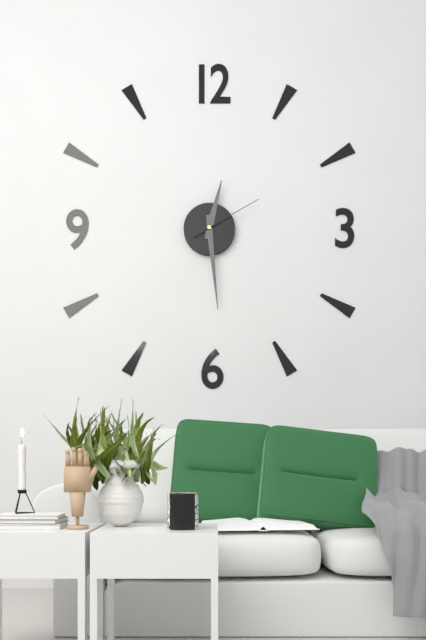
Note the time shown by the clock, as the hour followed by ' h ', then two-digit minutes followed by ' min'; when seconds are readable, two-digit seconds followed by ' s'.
12 h 29 min 10 s
